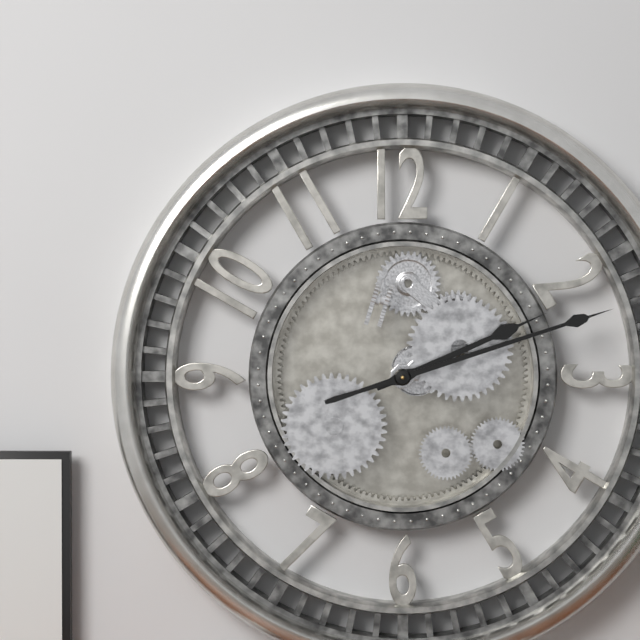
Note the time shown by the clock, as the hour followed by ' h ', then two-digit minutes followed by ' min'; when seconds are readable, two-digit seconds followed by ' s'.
2 h 12 min
